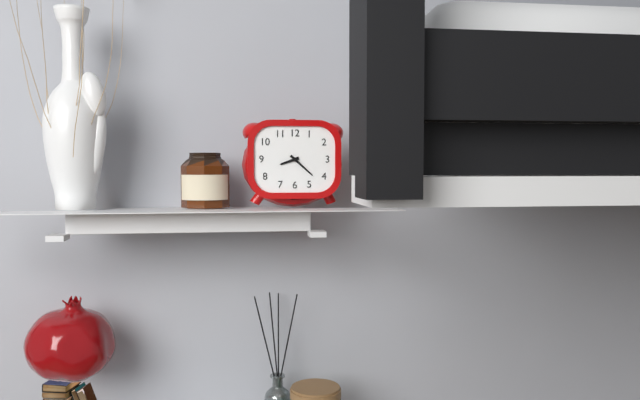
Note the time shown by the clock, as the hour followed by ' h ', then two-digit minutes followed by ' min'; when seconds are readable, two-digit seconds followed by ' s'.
8 h 22 min
